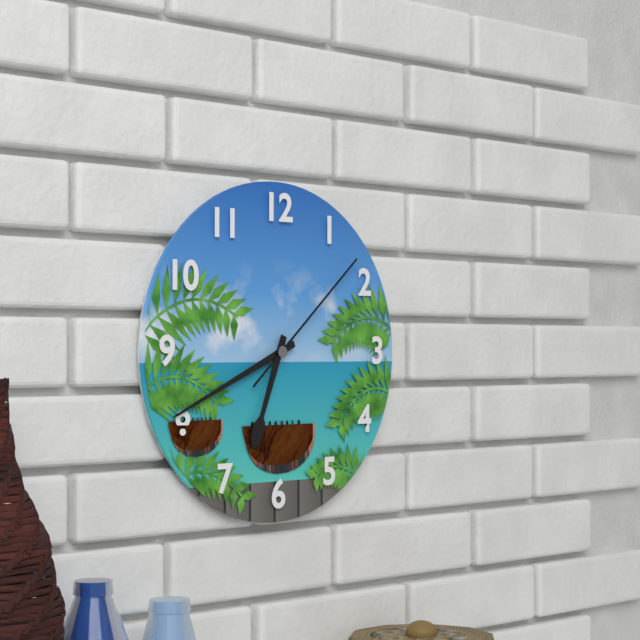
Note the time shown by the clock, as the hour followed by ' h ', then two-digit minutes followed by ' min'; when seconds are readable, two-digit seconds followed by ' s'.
6 h 41 min 08 s
